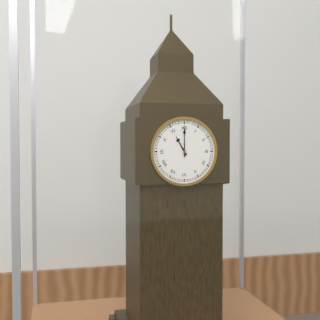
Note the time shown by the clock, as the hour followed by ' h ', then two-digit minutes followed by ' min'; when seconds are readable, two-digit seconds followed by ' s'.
11 h 00 min
